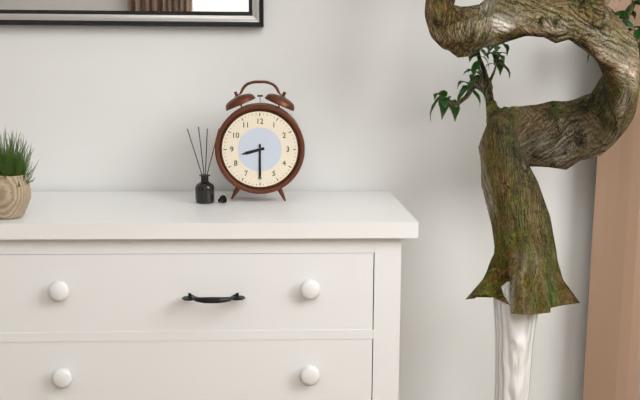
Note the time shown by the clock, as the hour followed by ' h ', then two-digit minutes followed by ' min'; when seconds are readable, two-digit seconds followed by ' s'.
8 h 30 min
